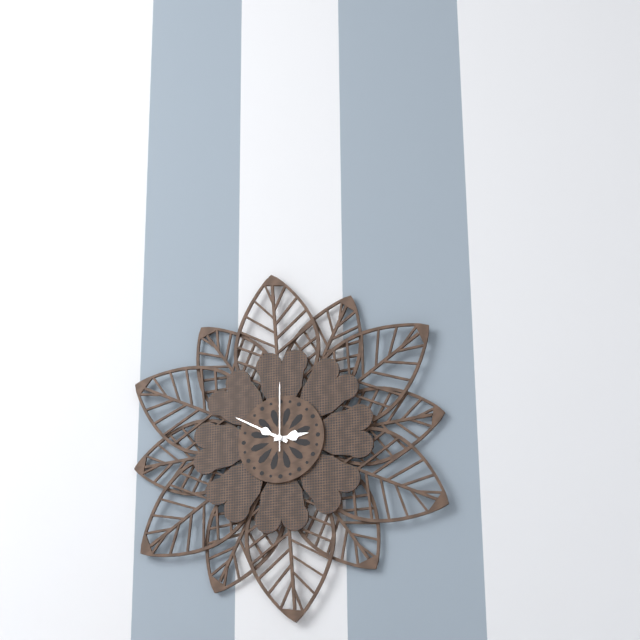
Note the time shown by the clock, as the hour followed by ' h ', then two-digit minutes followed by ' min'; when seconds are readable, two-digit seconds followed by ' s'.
2 h 50 min 00 s
